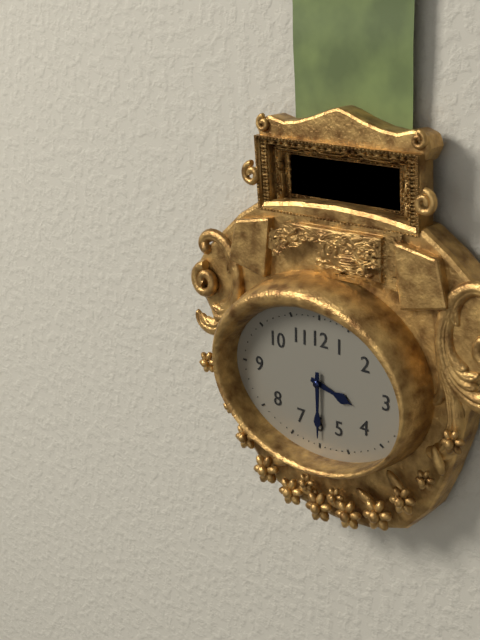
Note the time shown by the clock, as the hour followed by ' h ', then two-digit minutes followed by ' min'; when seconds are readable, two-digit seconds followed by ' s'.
3 h 30 min
